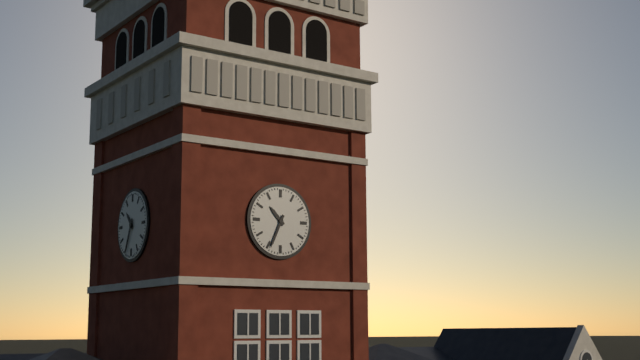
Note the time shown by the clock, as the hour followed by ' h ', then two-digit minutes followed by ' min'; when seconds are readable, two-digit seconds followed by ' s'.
10 h 34 min
